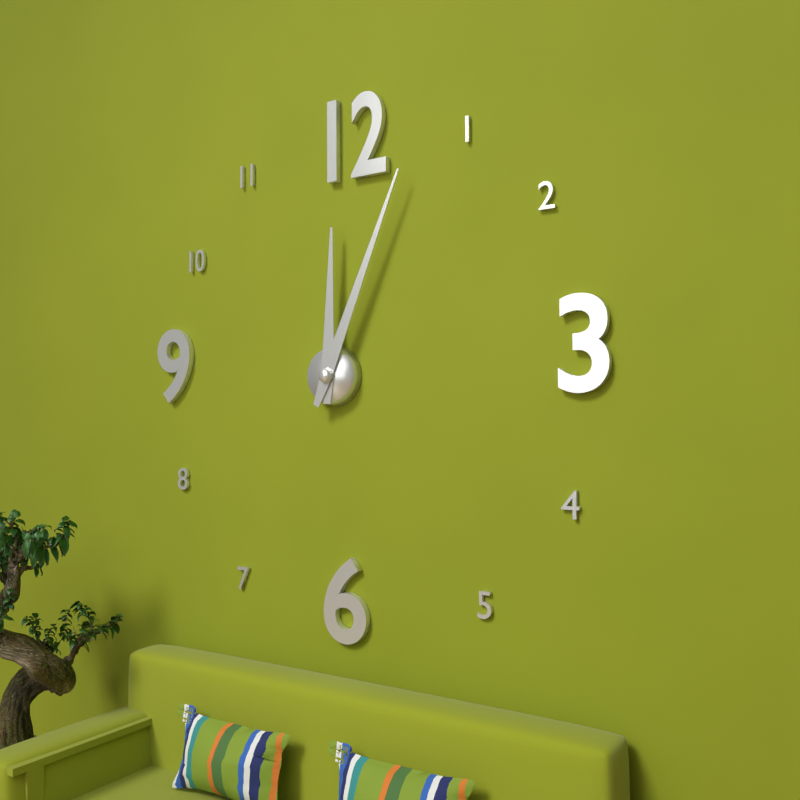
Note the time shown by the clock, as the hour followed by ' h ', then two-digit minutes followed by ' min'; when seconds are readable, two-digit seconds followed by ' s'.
12 h 04 min
